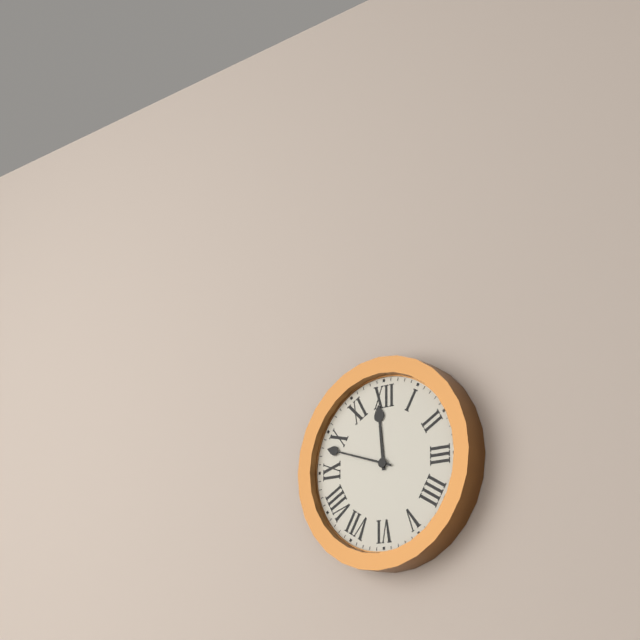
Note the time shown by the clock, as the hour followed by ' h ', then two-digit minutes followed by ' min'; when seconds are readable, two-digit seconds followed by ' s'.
11 h 48 min
